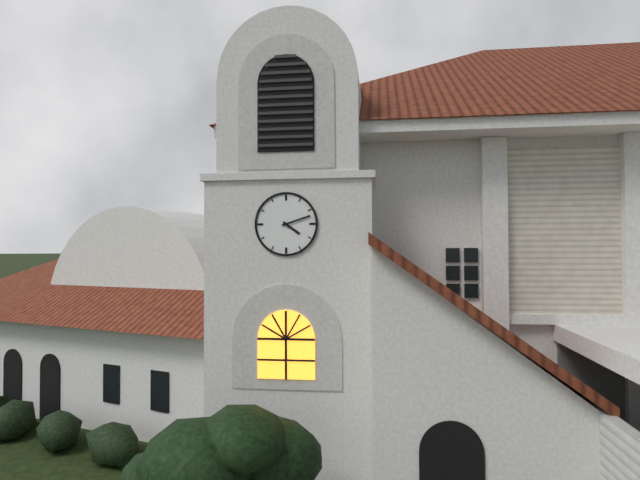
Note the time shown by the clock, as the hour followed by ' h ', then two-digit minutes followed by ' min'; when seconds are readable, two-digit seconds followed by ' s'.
4 h 12 min
